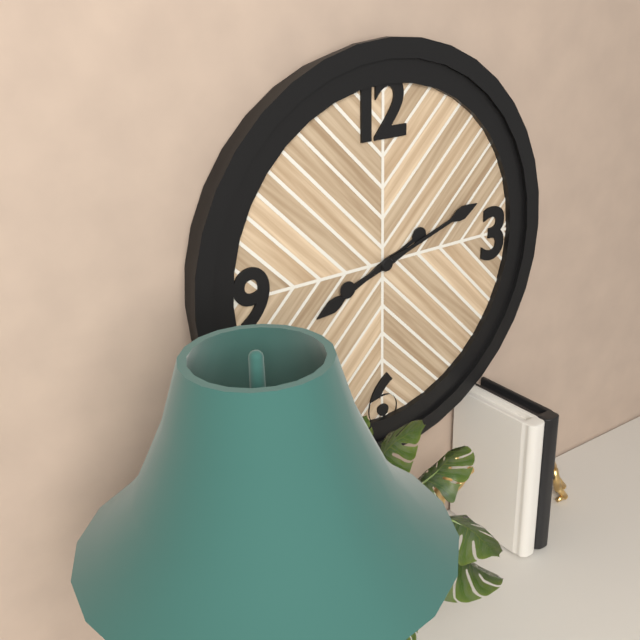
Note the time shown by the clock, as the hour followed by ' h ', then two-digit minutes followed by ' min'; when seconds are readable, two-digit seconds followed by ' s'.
8 h 12 min
